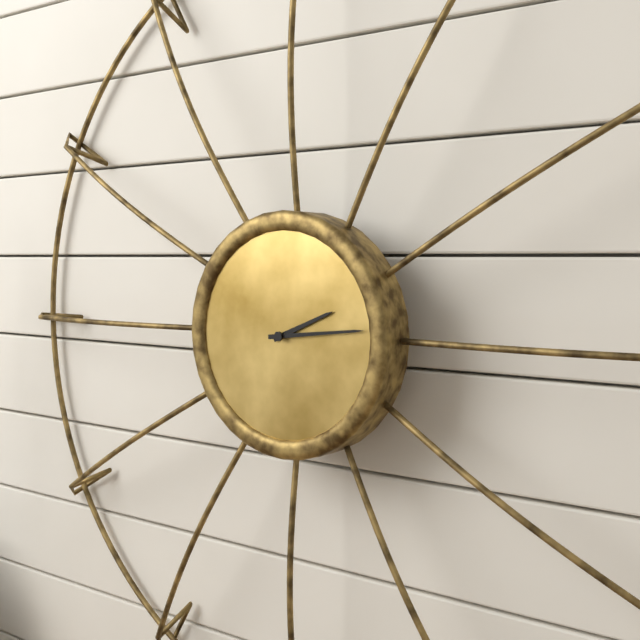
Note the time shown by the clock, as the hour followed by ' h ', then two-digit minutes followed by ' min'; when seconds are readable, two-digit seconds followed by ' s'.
2 h 14 min
